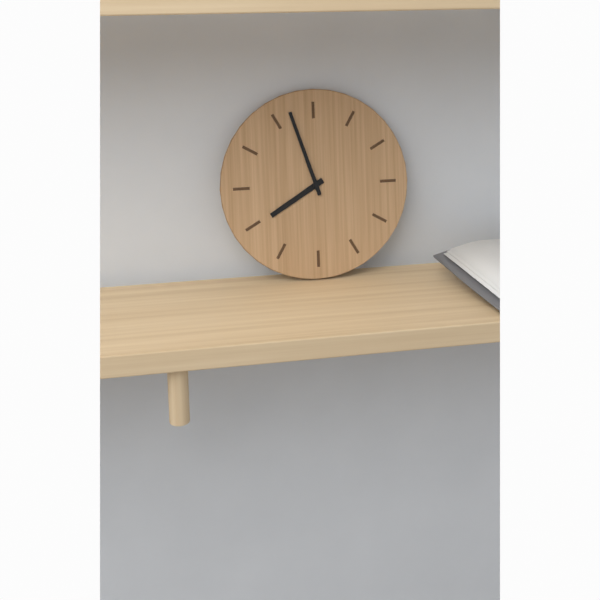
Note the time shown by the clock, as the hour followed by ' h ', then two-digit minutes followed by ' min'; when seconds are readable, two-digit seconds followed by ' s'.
7 h 57 min
